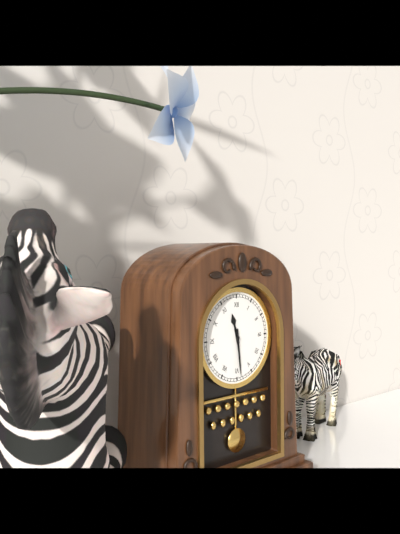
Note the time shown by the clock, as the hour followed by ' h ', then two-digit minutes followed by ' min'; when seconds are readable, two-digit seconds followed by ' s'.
11 h 29 min
